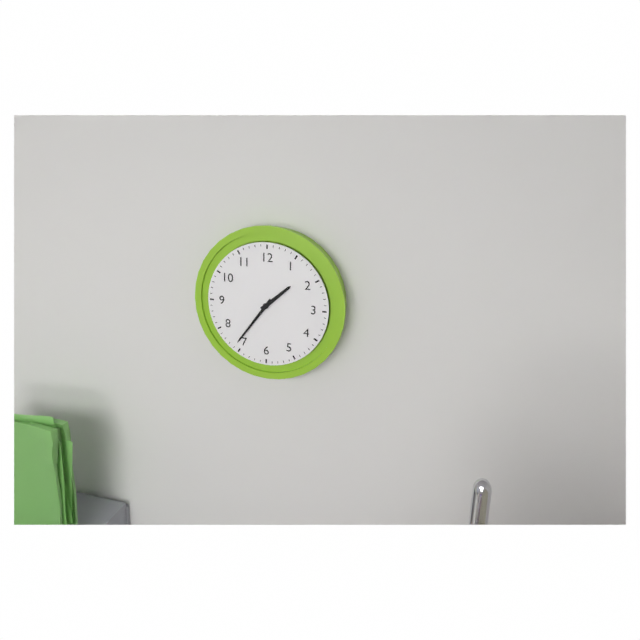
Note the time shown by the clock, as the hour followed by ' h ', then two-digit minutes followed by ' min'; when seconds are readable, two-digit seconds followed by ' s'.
1 h 36 min
